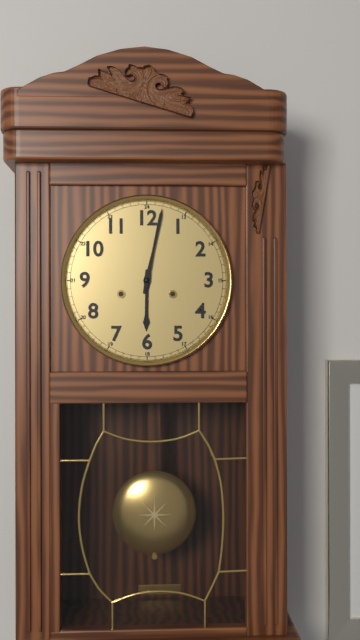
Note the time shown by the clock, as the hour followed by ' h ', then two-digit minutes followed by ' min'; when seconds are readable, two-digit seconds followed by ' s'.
6 h 02 min
